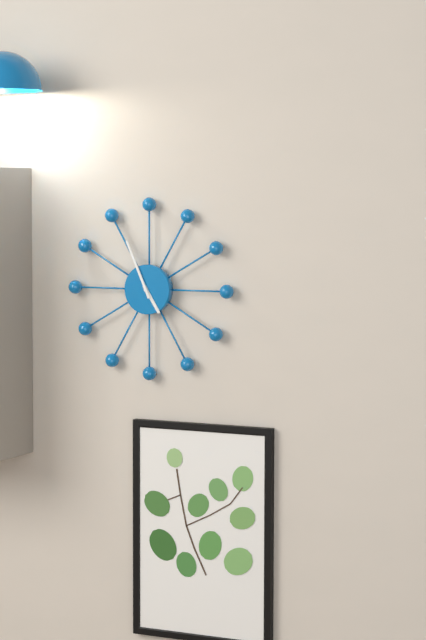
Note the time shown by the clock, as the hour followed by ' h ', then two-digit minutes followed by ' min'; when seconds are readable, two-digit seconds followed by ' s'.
4 h 56 min
